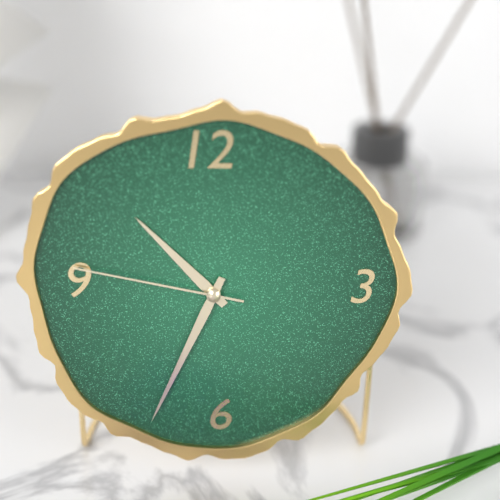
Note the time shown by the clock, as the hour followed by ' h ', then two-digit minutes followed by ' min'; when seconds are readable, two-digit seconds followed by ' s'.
10 h 34 min 47 s
